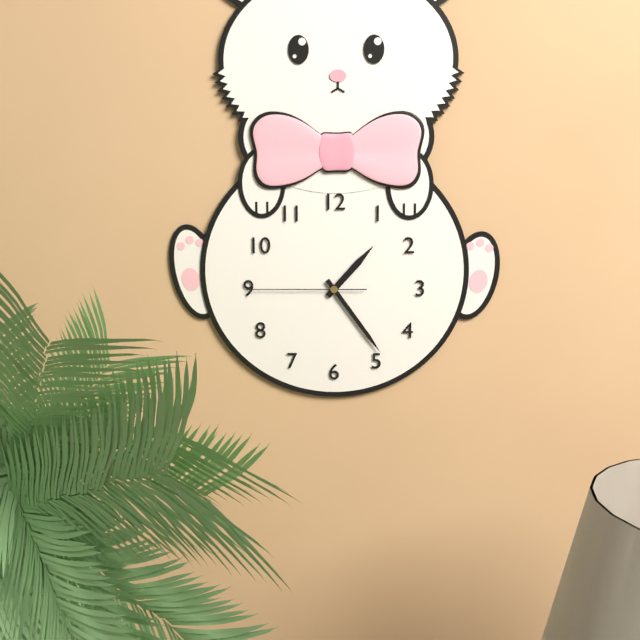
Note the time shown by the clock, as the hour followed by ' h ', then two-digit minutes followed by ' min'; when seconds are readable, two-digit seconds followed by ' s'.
1 h 24 min 45 s
